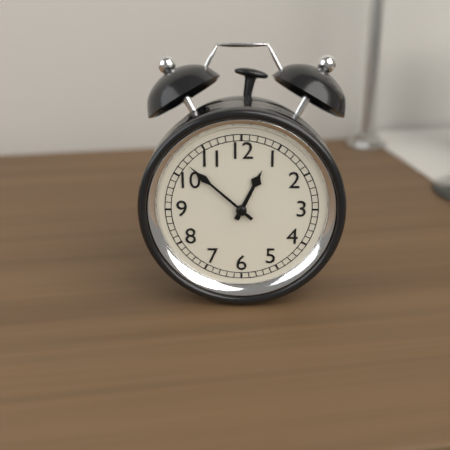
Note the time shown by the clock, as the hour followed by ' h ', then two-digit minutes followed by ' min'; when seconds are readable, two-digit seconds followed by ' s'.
12 h 52 min
